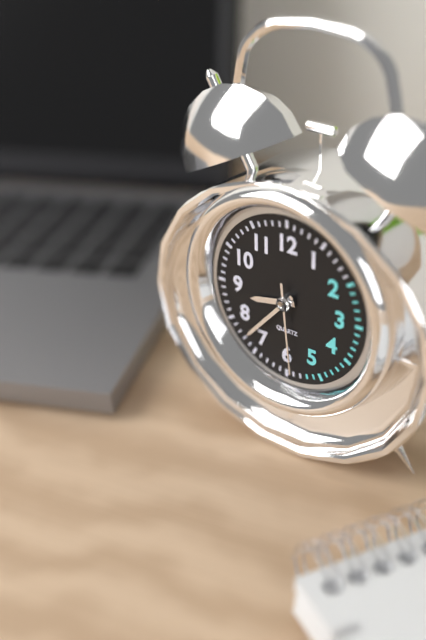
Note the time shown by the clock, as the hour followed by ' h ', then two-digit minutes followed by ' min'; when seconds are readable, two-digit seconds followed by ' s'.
8 h 37 min 29 s
